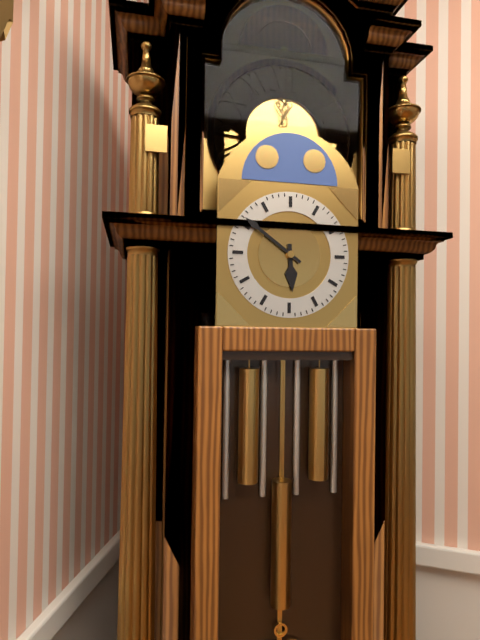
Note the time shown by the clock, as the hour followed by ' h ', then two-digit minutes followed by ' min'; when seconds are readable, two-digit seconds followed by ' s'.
5 h 51 min
